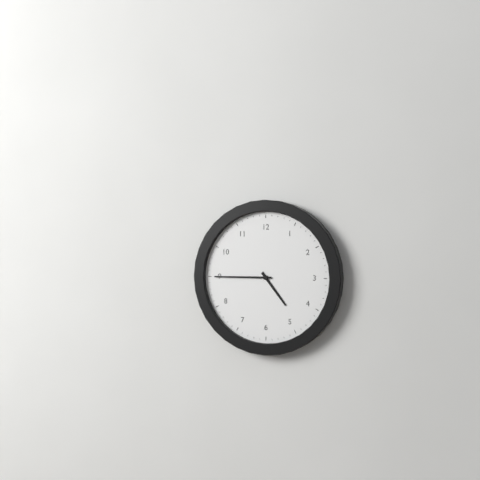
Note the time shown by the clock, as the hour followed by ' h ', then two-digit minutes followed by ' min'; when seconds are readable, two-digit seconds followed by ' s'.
4 h 45 min
